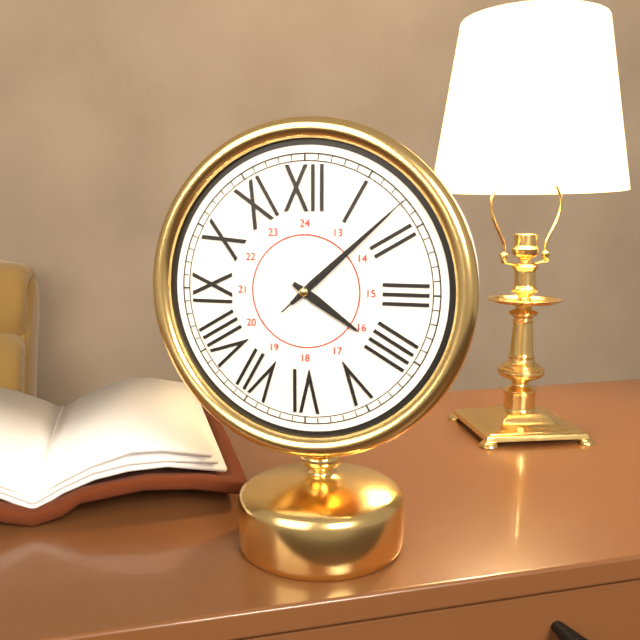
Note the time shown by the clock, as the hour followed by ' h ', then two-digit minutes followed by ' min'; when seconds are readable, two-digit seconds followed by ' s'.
4 h 08 min 08 s
